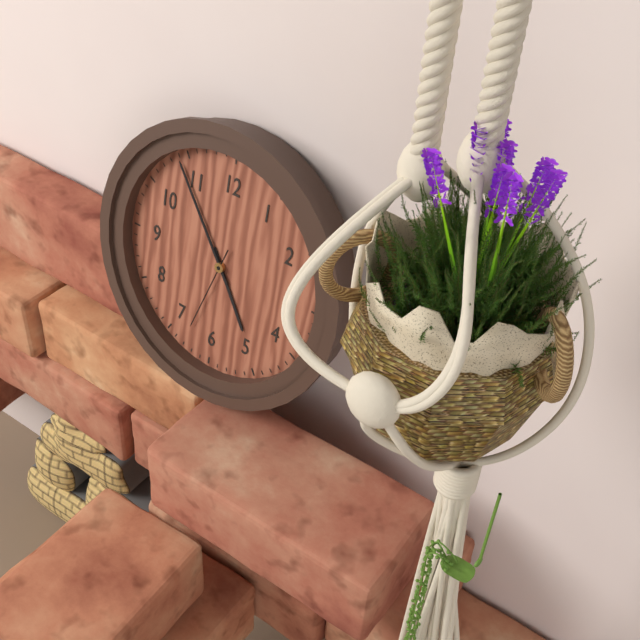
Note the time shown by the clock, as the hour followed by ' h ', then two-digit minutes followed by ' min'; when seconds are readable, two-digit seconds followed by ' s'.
4 h 54 min 33 s
